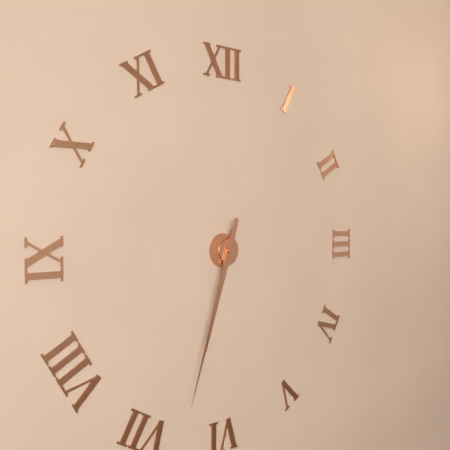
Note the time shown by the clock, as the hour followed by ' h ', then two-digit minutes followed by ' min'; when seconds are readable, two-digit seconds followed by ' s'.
6 h 33 min
